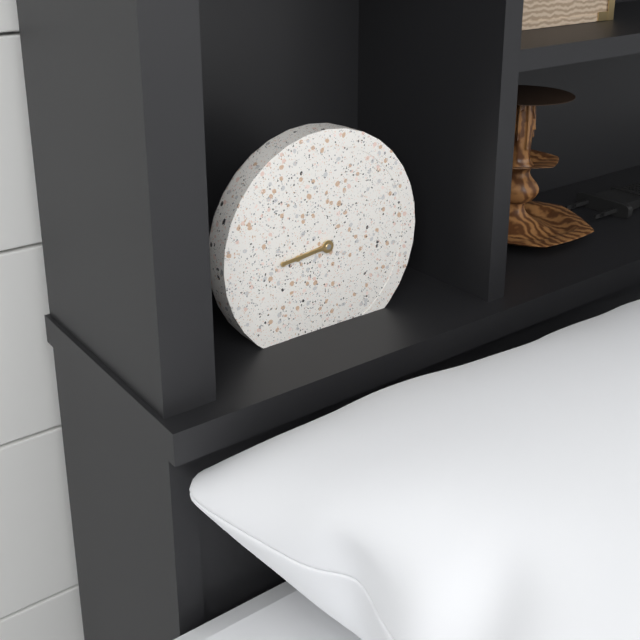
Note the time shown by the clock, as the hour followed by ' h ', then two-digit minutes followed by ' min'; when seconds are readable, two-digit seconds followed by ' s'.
8 h 44 min
